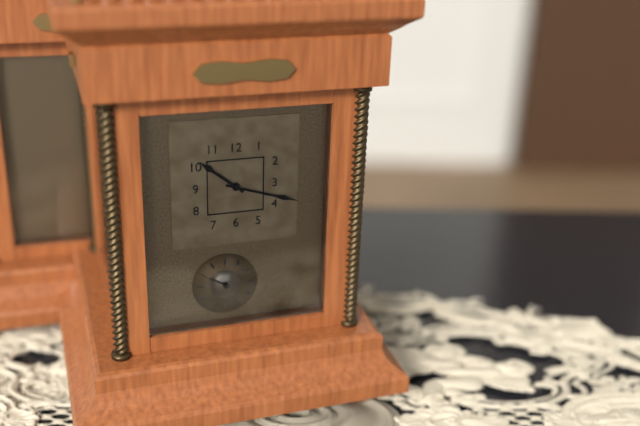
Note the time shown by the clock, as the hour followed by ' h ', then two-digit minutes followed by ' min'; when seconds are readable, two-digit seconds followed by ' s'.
10 h 18 min
